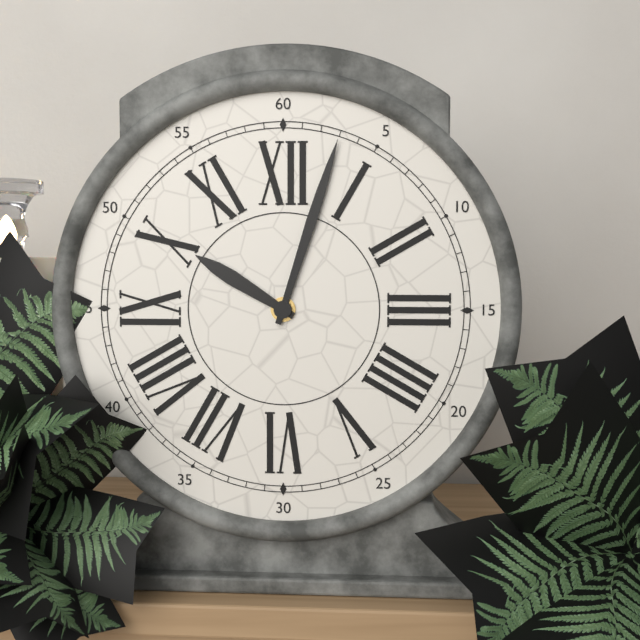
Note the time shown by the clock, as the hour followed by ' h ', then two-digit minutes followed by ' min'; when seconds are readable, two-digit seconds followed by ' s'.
10 h 03 min
